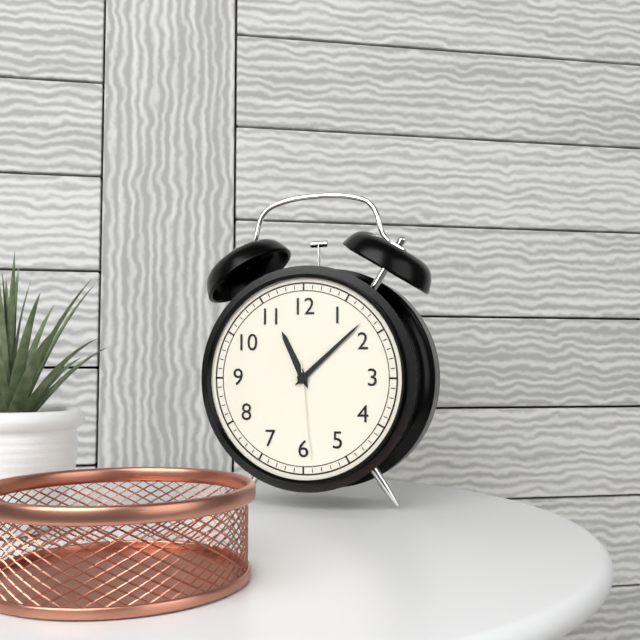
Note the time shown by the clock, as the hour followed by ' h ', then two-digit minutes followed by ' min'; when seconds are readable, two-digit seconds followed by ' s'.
11 h 08 min 29 s
